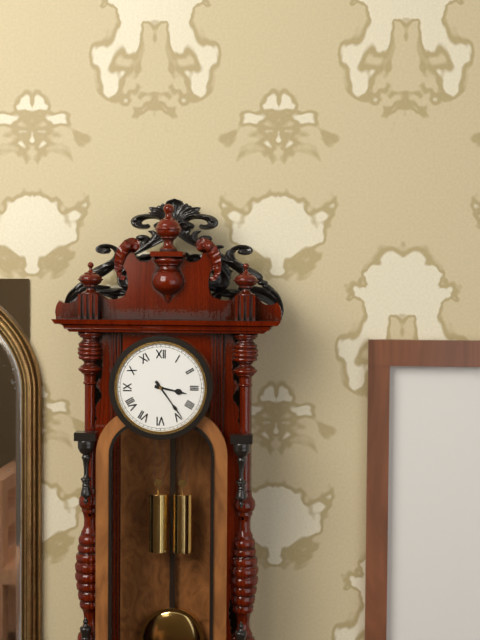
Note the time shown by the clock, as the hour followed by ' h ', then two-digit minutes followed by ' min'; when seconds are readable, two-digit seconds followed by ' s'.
3 h 24 min
